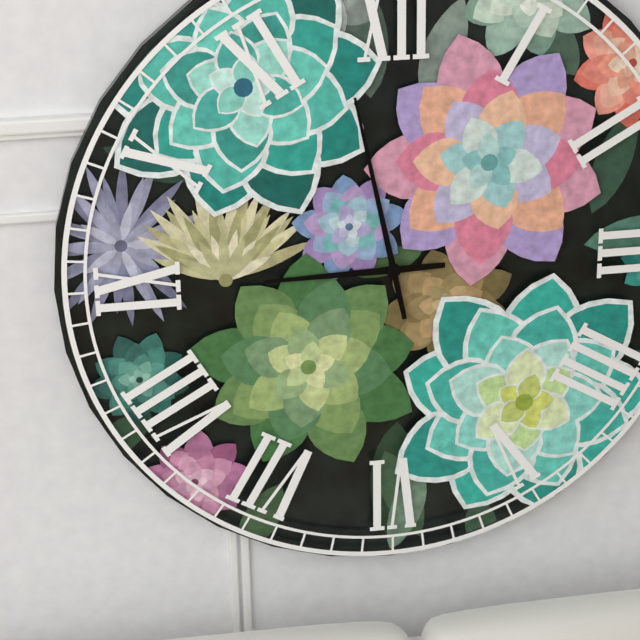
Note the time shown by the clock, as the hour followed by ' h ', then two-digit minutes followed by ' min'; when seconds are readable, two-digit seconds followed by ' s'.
8 h 58 min
